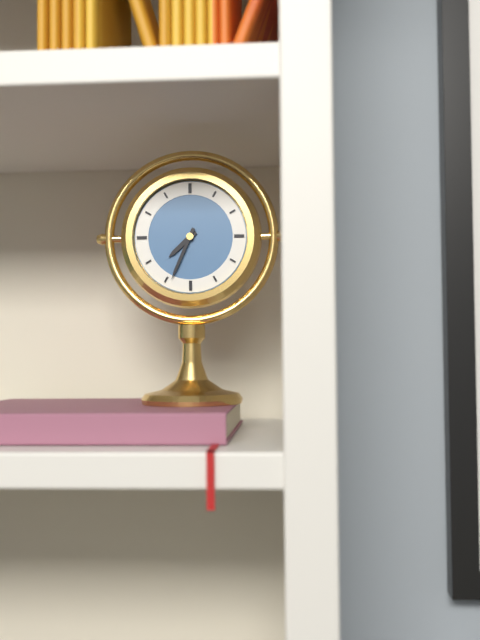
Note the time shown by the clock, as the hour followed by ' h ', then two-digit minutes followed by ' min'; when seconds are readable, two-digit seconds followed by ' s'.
7 h 34 min
